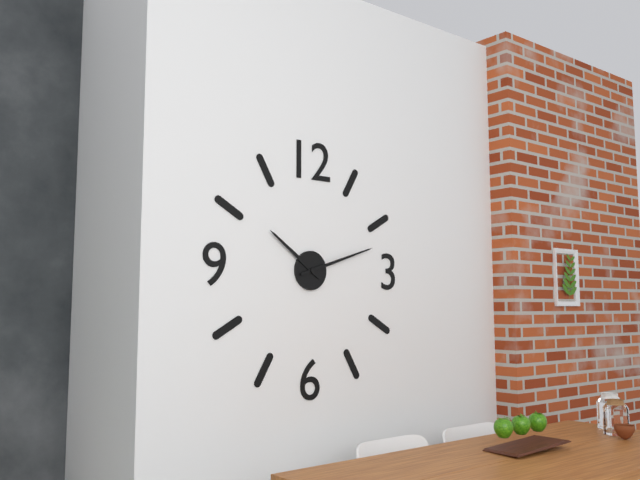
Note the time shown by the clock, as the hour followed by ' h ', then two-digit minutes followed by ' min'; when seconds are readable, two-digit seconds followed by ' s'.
10 h 12 min
